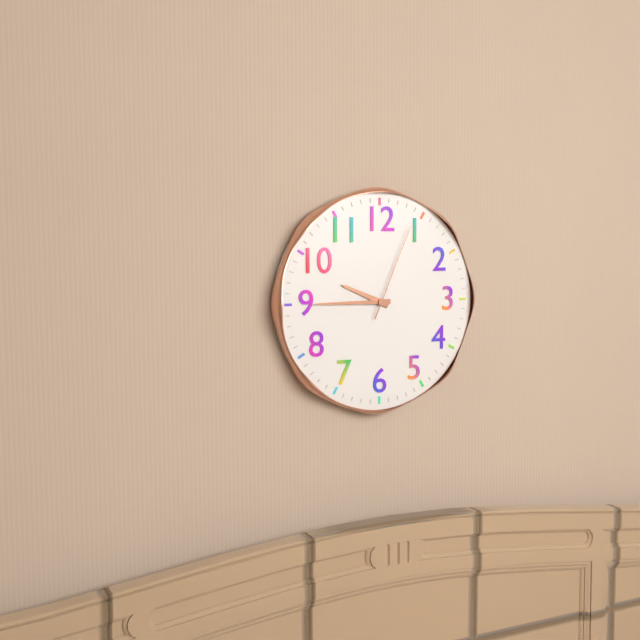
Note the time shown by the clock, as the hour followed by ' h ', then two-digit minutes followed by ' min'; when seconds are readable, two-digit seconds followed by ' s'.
9 h 45 min 04 s
